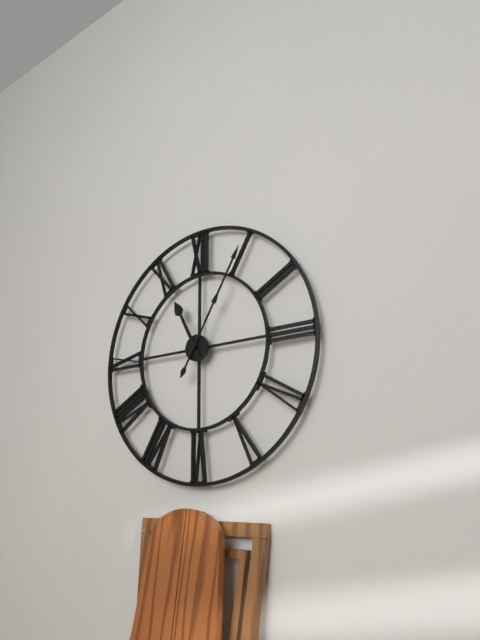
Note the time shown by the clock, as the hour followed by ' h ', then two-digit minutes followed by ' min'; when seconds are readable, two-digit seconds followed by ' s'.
11 h 05 min
